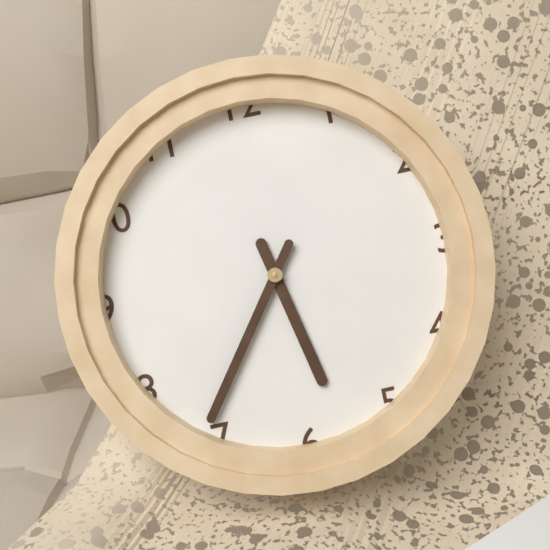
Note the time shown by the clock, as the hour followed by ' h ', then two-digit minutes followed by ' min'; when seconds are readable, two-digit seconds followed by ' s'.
5 h 36 min
